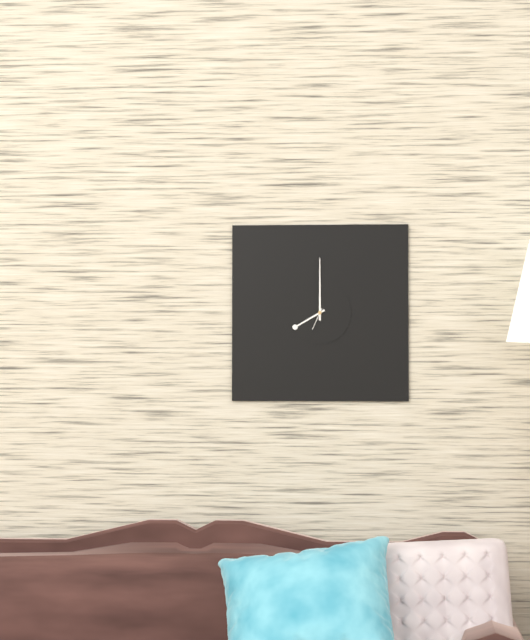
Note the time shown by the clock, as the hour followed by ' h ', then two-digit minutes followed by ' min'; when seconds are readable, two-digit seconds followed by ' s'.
8 h 00 min
